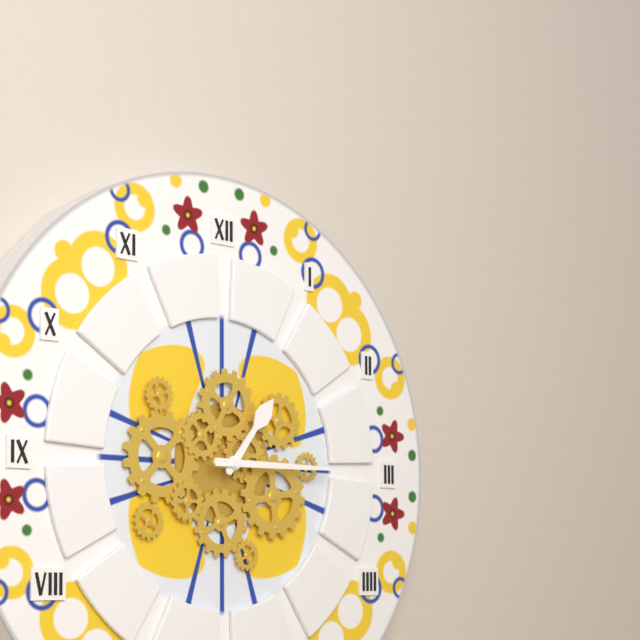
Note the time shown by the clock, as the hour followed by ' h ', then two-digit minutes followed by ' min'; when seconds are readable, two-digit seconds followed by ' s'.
1 h 15 min
